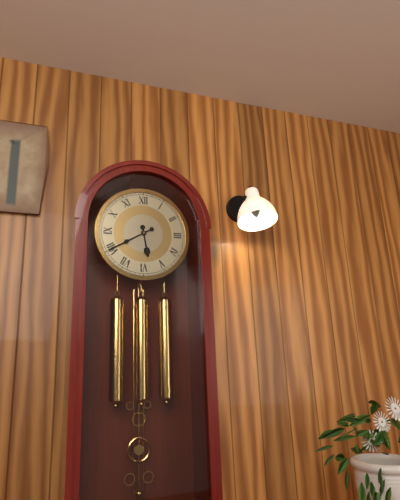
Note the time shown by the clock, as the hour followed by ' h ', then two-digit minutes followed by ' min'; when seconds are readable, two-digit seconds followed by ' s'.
5 h 40 min
